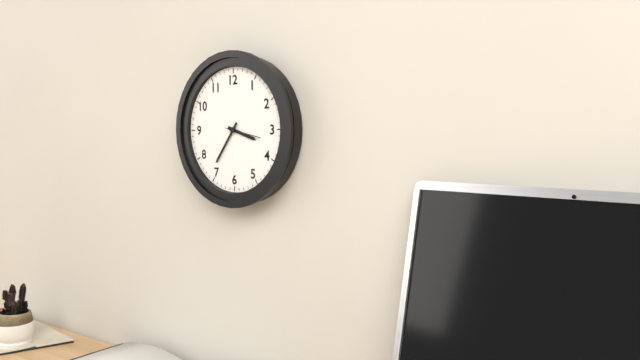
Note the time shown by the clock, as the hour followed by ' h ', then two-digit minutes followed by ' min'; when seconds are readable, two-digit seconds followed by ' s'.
3 h 36 min
